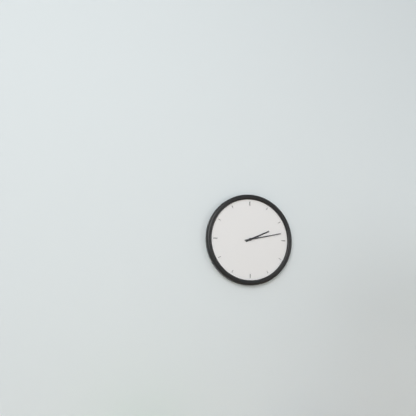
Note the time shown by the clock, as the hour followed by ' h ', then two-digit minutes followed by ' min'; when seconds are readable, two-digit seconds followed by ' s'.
2 h 13 min
